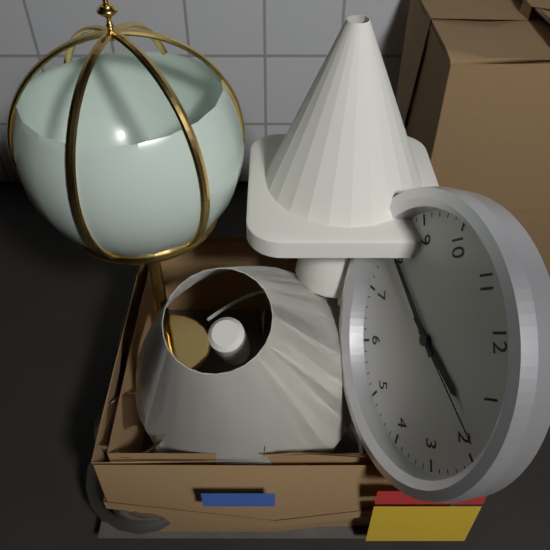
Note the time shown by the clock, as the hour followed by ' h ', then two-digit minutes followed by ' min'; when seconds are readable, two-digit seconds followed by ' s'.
1 h 40 min 09 s
